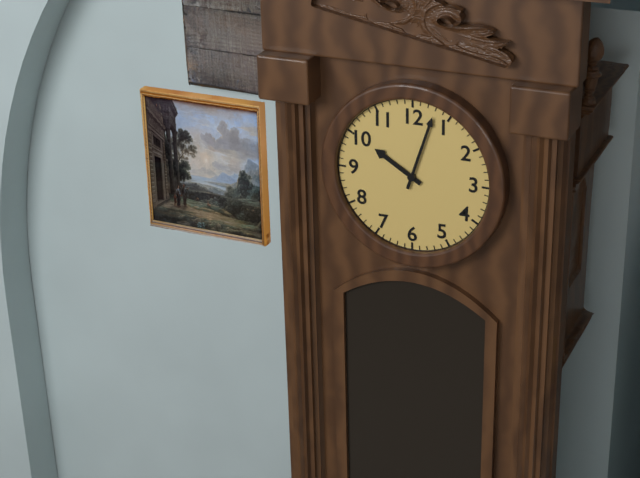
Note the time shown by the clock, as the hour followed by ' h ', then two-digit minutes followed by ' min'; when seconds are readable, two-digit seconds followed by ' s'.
10 h 03 min
